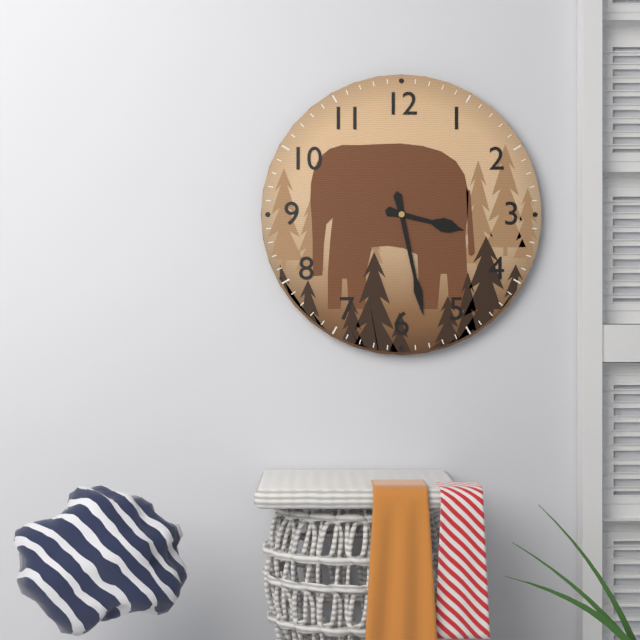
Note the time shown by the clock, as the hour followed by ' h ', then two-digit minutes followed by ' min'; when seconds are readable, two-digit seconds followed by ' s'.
3 h 28 min
